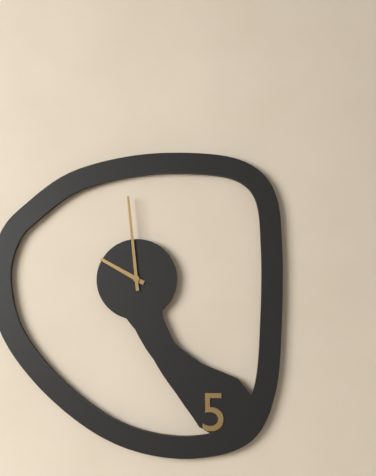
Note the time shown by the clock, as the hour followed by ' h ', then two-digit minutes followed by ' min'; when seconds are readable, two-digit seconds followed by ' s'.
9 h 59 min
